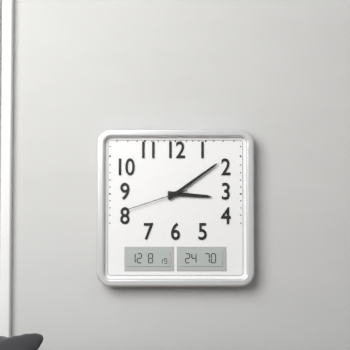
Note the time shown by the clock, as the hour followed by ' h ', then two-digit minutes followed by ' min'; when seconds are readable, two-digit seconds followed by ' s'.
3 h 09 min 42 s
